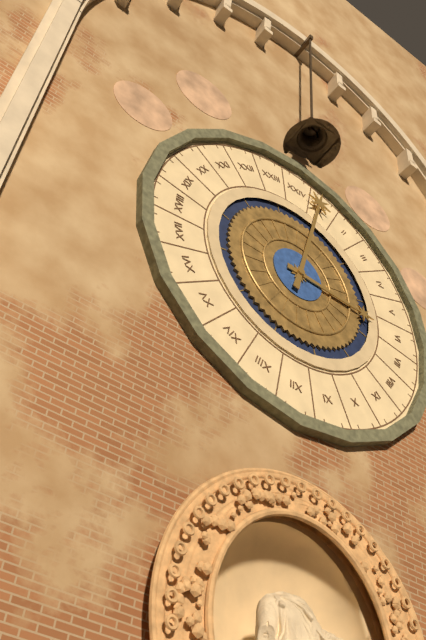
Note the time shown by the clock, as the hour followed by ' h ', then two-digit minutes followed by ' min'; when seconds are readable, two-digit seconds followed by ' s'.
3 h 02 min
